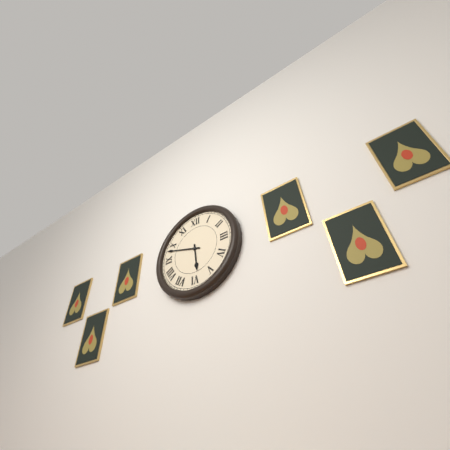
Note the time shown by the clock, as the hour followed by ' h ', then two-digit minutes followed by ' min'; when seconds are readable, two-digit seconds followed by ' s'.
5 h 48 min
